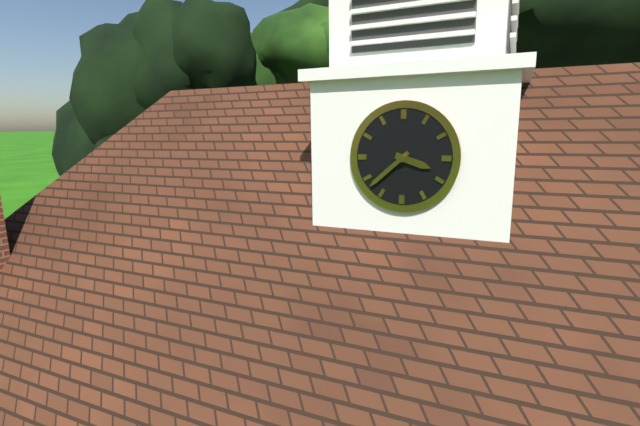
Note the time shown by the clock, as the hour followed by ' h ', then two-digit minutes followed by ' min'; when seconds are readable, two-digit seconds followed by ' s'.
3 h 38 min
